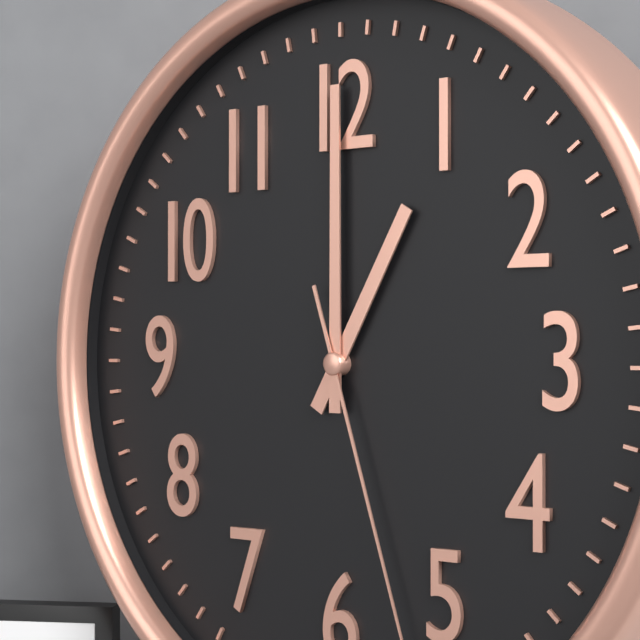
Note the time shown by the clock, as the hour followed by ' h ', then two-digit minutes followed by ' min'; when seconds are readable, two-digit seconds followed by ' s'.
1 h 00 min
